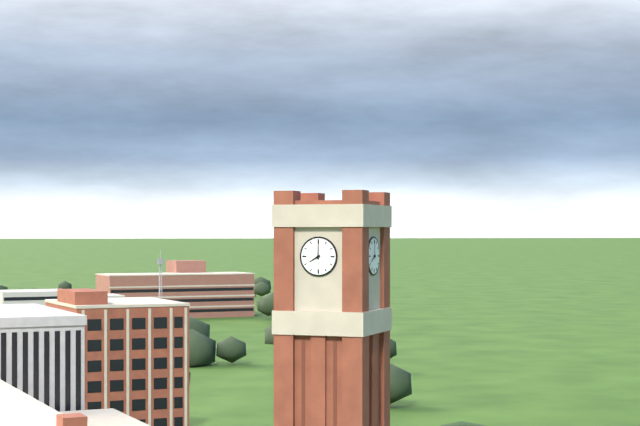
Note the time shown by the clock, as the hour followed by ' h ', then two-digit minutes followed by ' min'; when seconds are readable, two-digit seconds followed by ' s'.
8 h 00 min
